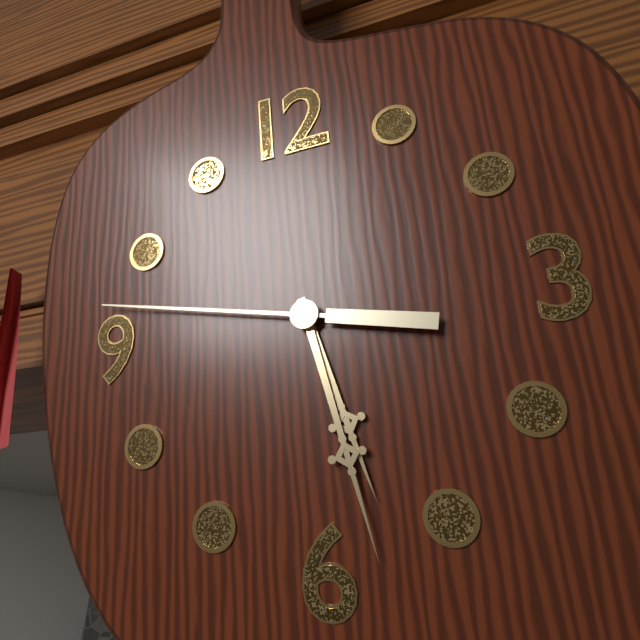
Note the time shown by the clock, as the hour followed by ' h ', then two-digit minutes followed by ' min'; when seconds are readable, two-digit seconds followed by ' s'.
5 h 28 min 47 s
